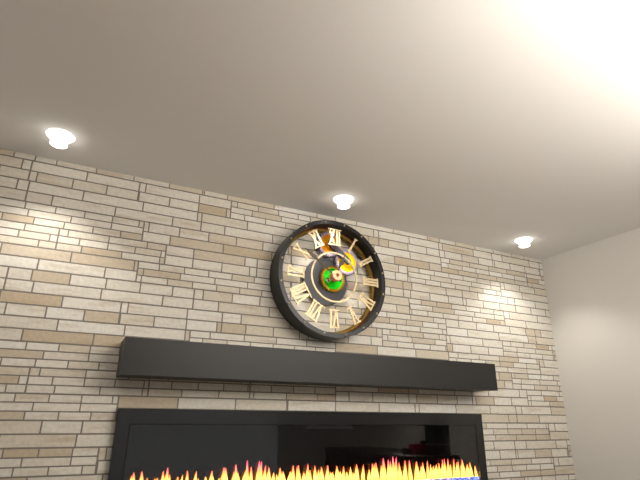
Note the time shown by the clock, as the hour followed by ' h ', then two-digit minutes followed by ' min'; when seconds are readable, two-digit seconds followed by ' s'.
12 h 51 min
